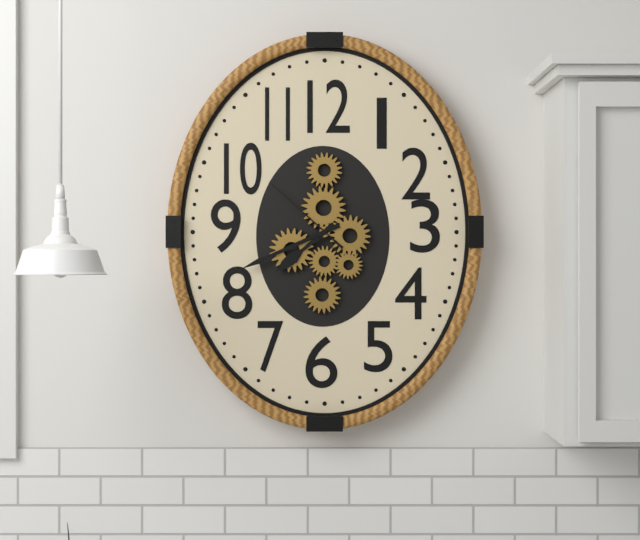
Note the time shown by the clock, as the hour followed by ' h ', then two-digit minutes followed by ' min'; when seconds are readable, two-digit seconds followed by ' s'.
7 h 41 min 52 s
